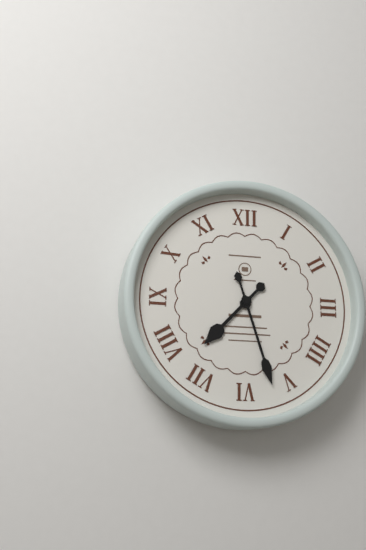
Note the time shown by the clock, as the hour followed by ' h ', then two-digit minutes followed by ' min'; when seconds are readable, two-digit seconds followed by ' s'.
7 h 27 min
